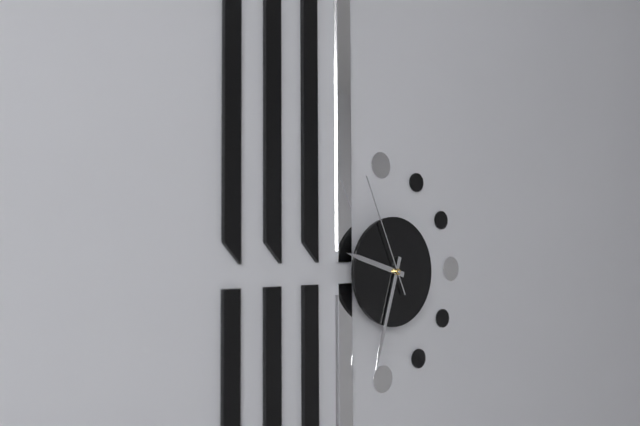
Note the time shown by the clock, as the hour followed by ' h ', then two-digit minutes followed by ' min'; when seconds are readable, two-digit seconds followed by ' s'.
9 h 33 min 56 s
